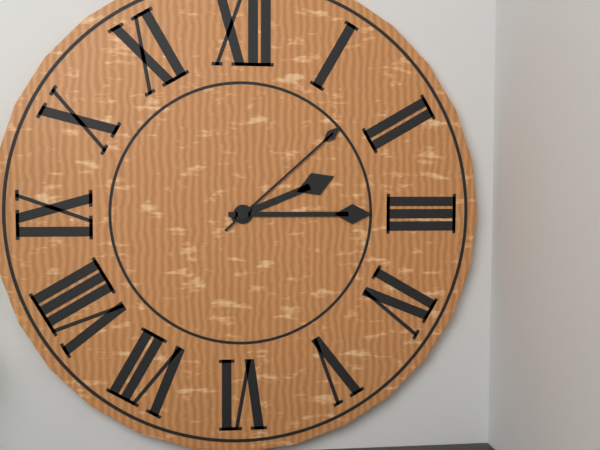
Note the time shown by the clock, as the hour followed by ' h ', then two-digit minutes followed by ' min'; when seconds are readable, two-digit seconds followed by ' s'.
2 h 15 min 08 s
